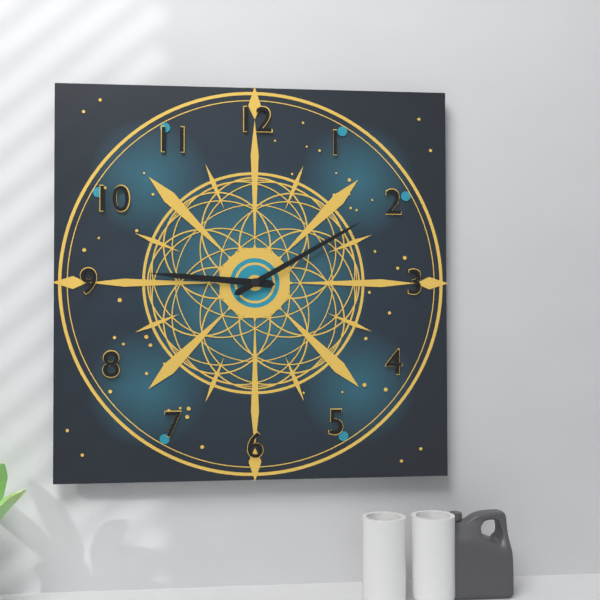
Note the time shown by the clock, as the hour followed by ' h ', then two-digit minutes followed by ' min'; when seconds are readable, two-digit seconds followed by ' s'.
9 h 10 min
